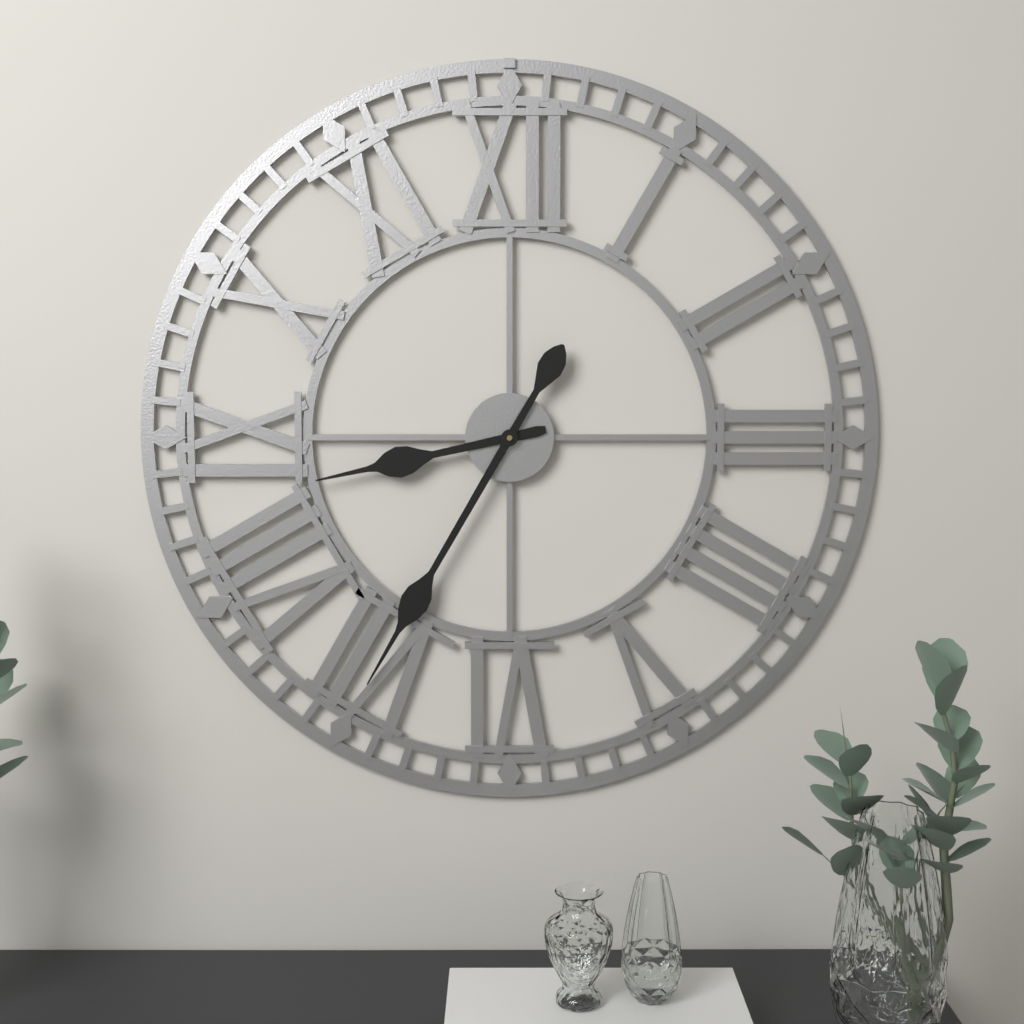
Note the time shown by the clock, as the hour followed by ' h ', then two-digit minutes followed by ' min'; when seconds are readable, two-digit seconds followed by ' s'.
8 h 35 min
